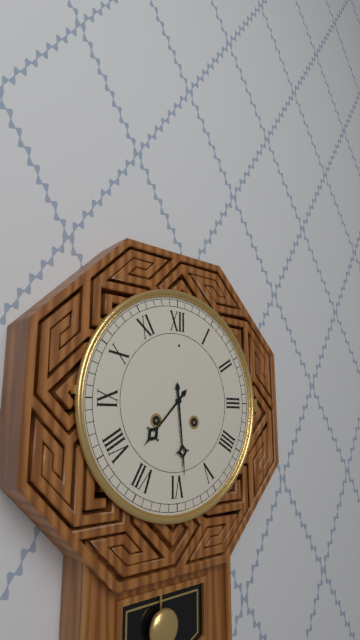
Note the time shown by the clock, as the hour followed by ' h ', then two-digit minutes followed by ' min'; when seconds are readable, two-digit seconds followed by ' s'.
7 h 29 min
